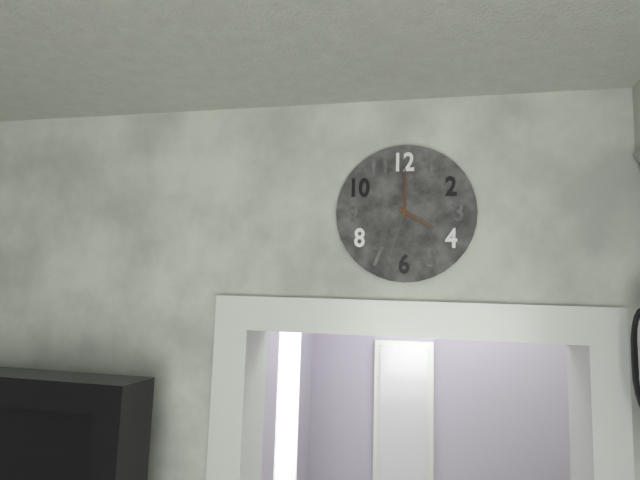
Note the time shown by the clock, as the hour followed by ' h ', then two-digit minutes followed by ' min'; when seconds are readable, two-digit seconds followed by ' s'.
4 h 00 min 33 s
